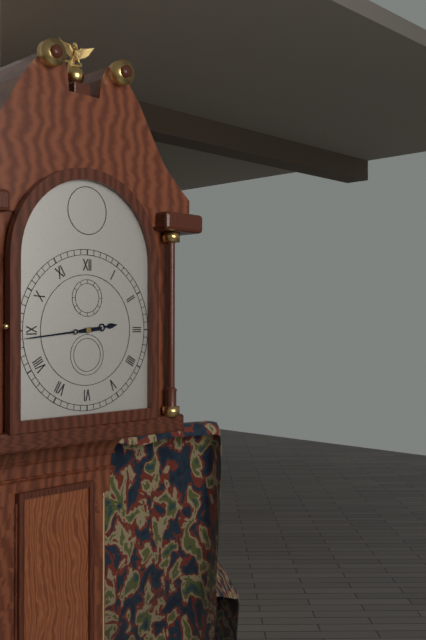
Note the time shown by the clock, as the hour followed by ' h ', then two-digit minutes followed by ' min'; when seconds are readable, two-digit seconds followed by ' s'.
2 h 44 min
